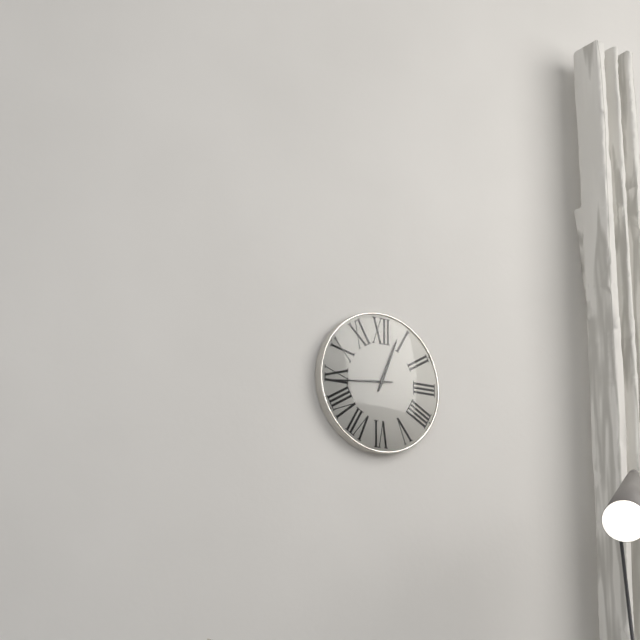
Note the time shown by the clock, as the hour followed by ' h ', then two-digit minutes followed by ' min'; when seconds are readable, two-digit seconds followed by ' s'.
12 h 44 min
